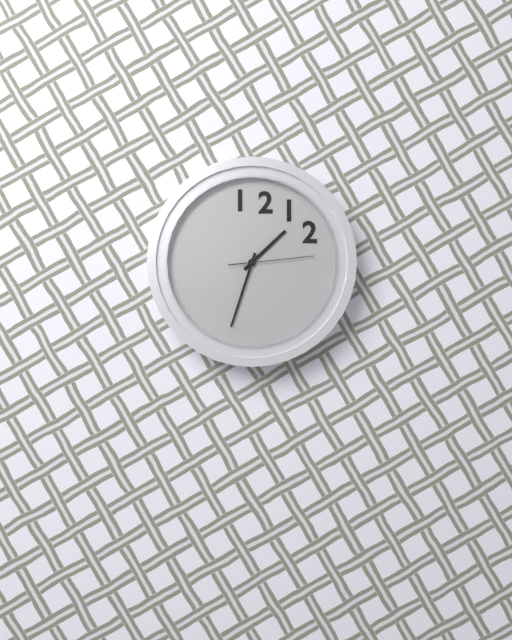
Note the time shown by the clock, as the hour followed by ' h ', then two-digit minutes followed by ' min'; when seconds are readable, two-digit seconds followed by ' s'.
1 h 33 min 14 s
